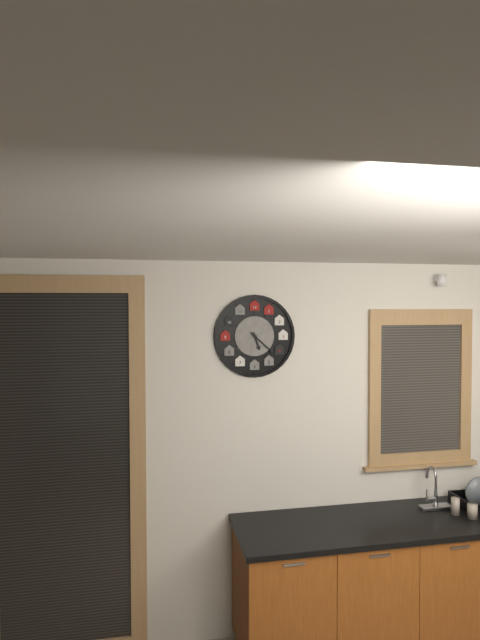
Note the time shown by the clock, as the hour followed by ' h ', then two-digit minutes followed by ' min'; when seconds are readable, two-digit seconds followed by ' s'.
5 h 22 min
